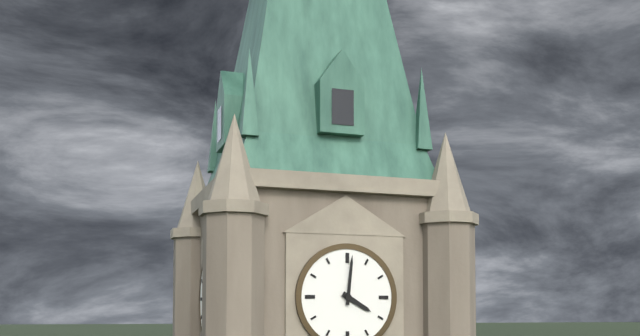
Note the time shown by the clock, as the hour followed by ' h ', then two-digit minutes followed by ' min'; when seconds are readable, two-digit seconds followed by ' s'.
4 h 01 min
